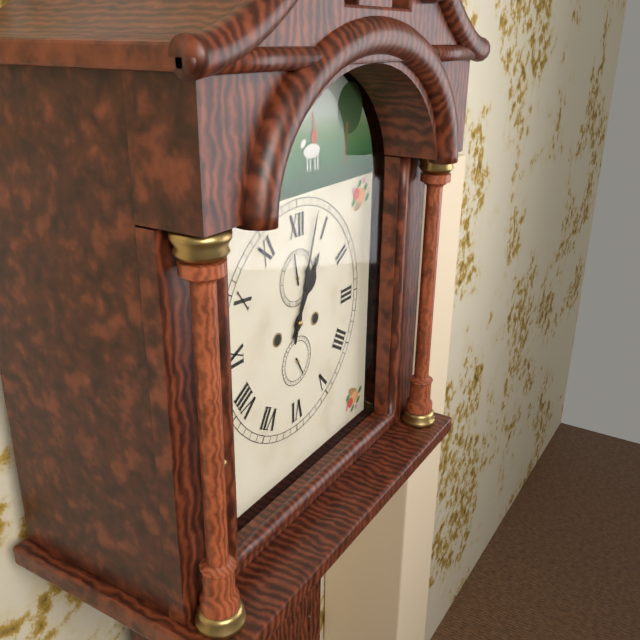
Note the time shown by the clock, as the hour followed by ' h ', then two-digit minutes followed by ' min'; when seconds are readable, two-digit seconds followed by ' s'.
1 h 03 min
